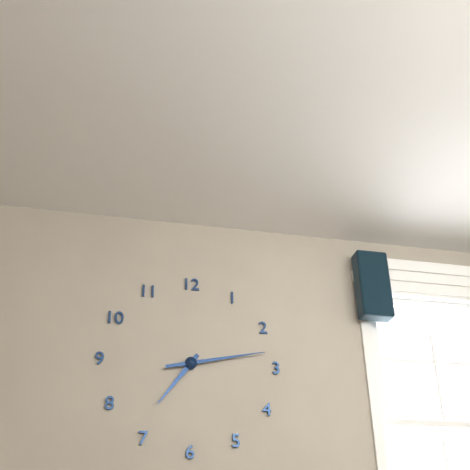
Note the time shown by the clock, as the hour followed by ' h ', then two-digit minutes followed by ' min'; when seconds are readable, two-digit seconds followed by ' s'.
7 h 13 min
